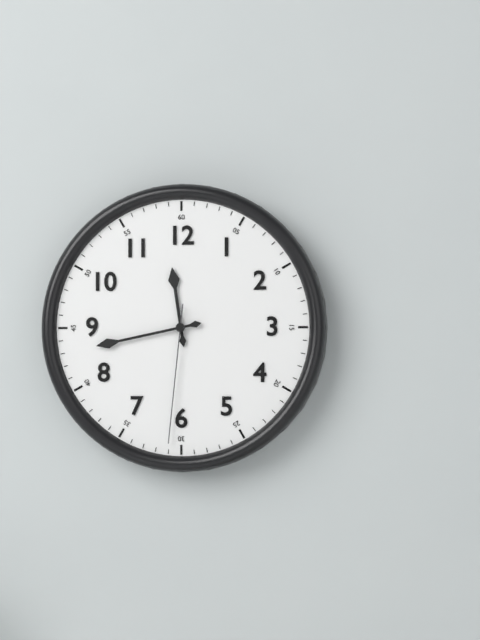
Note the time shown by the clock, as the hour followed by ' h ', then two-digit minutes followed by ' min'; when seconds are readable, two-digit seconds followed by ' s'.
11 h 43 min 31 s
